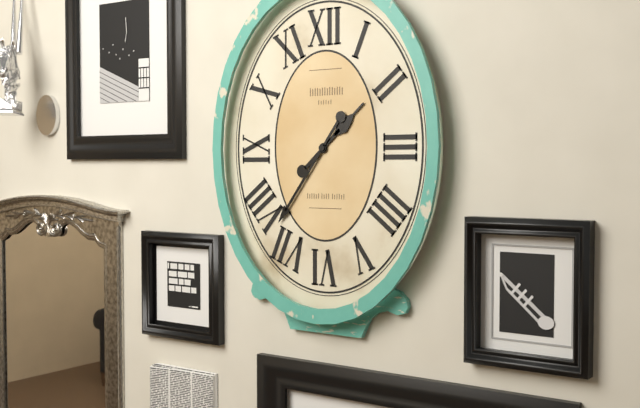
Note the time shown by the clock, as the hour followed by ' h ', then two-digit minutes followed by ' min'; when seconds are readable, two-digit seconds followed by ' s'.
1 h 36 min
